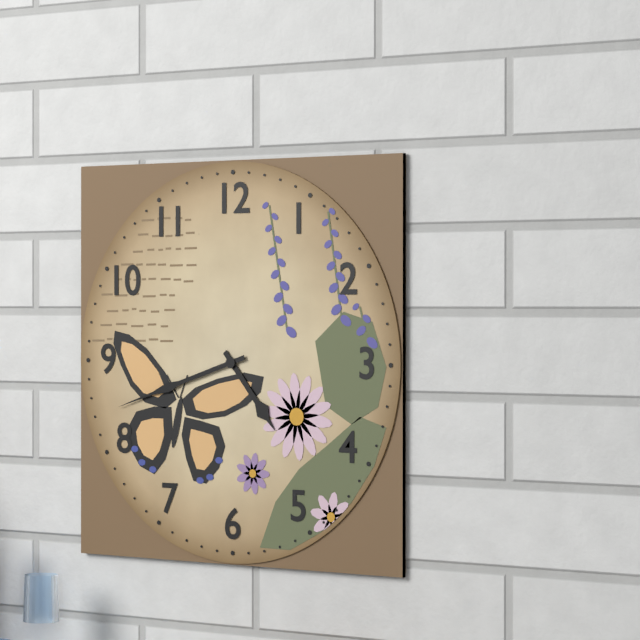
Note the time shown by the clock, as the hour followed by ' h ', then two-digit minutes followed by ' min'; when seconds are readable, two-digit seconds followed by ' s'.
4 h 42 min
